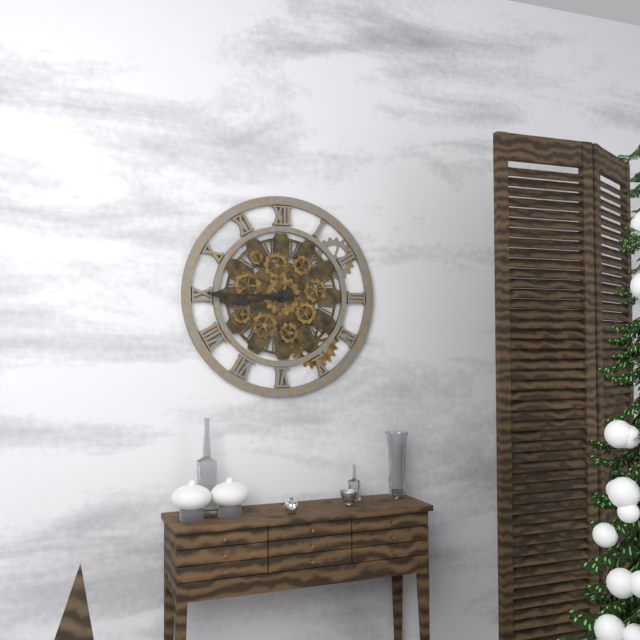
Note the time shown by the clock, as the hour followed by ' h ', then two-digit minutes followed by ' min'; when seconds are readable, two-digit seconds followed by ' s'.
8 h 45 min
